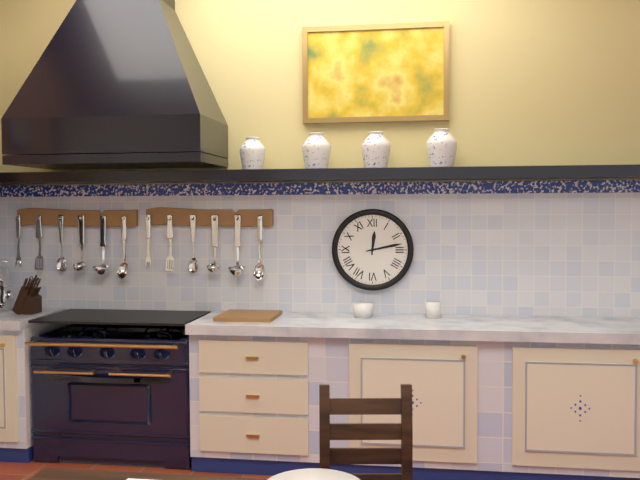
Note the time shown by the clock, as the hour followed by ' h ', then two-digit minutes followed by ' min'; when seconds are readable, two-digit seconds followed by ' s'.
12 h 13 min
